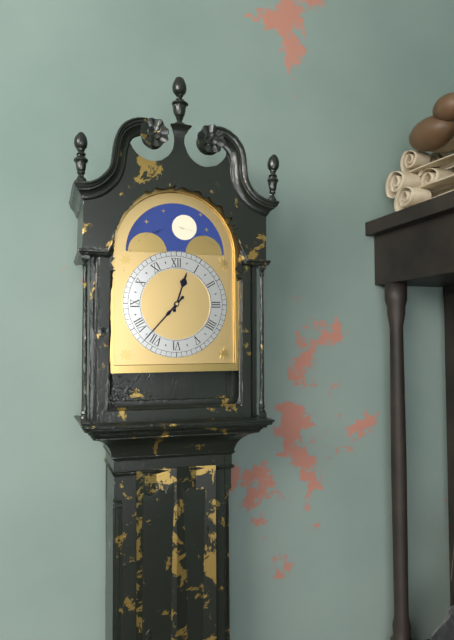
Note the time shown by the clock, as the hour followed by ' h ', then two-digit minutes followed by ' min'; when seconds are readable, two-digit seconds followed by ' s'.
12 h 37 min
